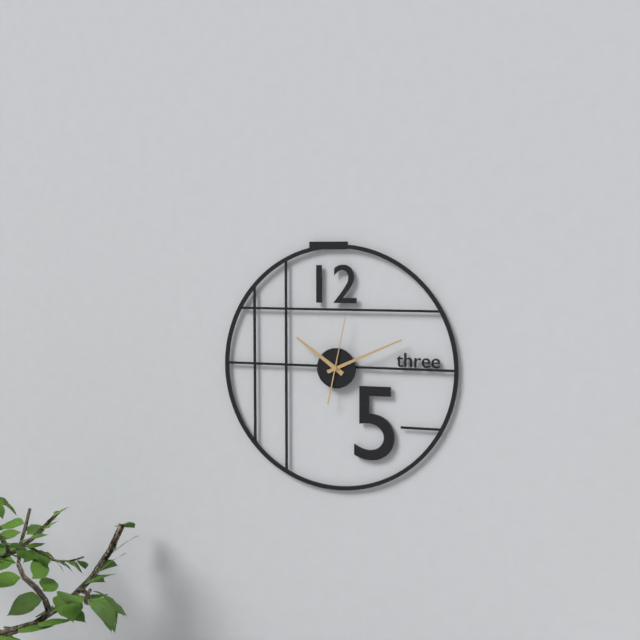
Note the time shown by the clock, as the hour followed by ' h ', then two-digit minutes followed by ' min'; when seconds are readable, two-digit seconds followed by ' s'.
10 h 11 min 02 s
